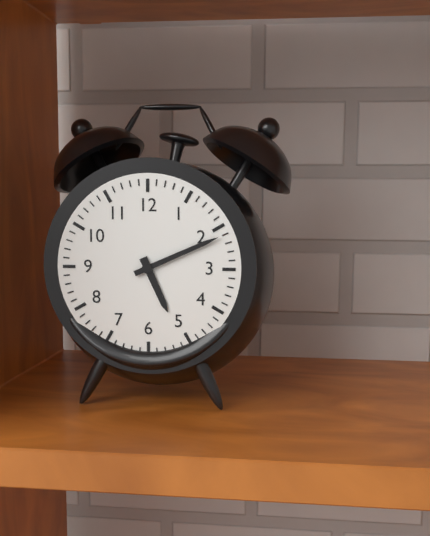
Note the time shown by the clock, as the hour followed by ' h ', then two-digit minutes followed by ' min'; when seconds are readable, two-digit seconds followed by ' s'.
5 h 11 min
